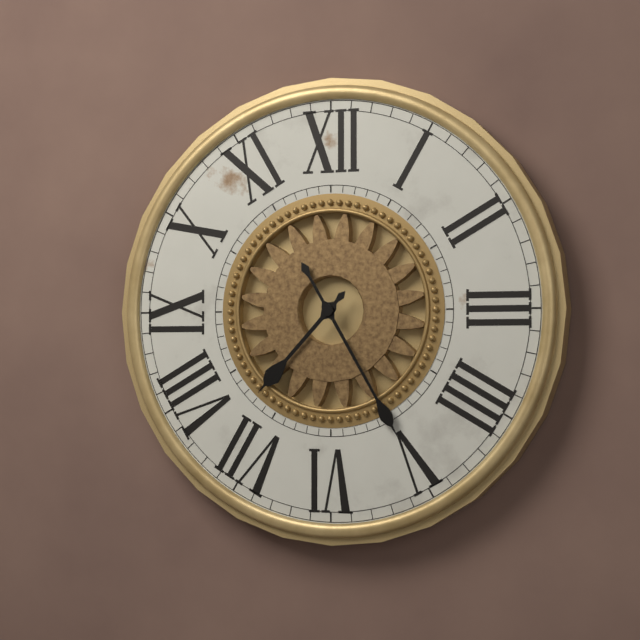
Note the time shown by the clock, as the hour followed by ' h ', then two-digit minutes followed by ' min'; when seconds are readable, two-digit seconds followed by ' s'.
7 h 25 min
